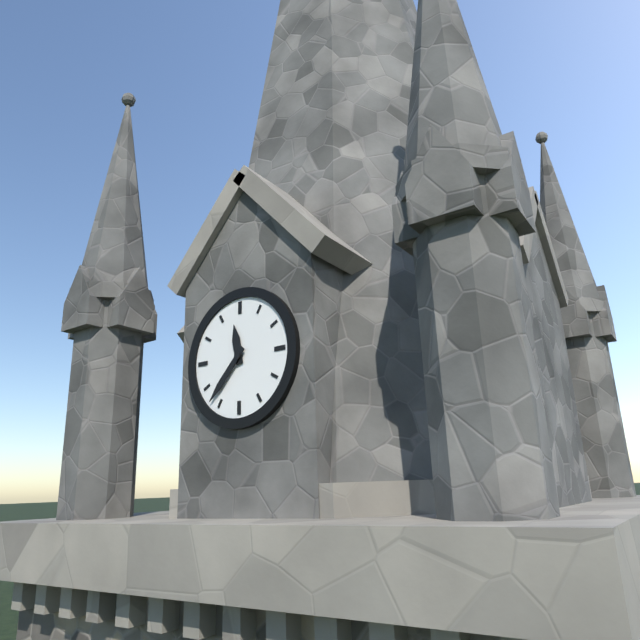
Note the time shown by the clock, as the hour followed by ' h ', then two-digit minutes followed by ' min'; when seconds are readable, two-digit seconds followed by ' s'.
11 h 37 min
